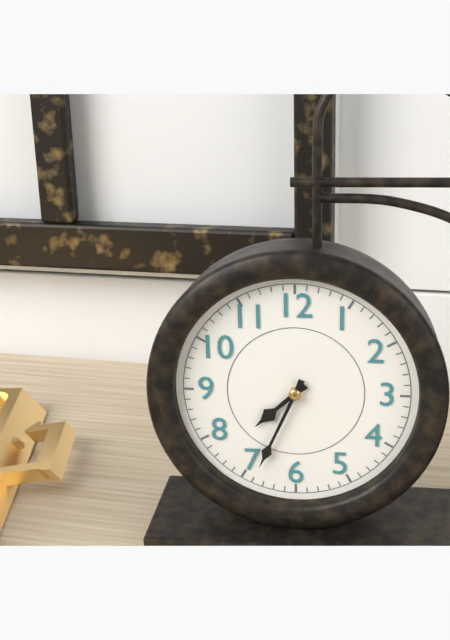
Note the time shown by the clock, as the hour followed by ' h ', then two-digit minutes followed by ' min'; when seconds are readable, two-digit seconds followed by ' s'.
7 h 34 min
